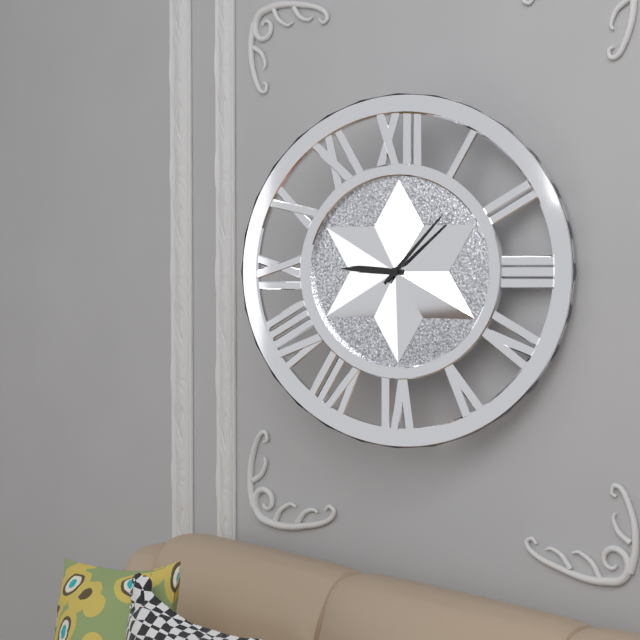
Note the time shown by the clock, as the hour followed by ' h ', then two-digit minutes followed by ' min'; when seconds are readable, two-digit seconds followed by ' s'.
9 h 07 min
